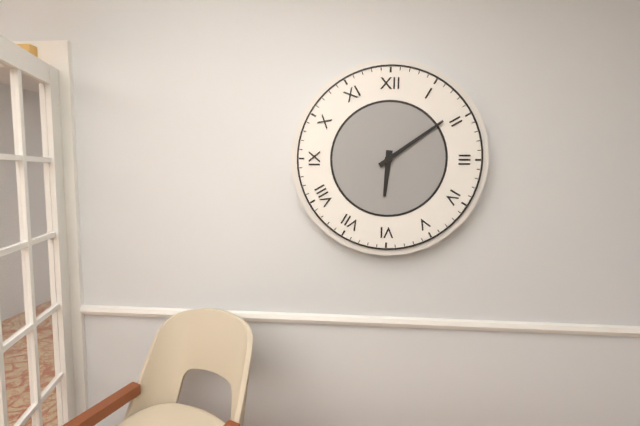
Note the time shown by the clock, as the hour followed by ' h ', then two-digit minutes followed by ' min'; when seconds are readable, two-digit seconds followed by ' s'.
6 h 09 min
